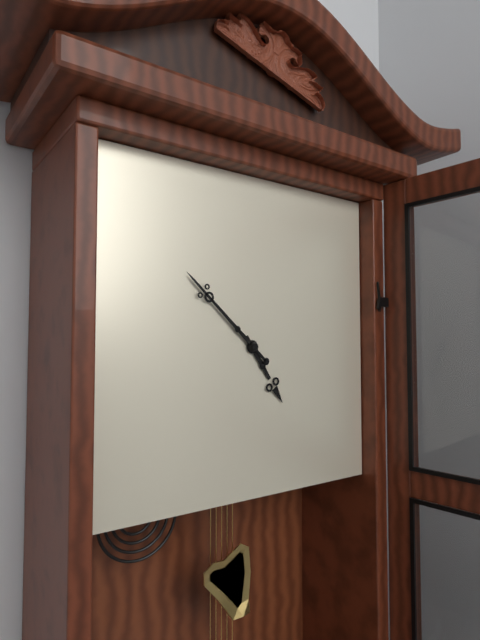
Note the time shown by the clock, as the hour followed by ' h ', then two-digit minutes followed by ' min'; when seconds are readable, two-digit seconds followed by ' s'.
4 h 52 min
